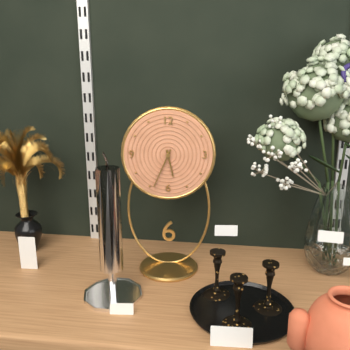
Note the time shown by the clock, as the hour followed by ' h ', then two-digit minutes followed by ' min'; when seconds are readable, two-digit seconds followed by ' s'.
5 h 34 min
